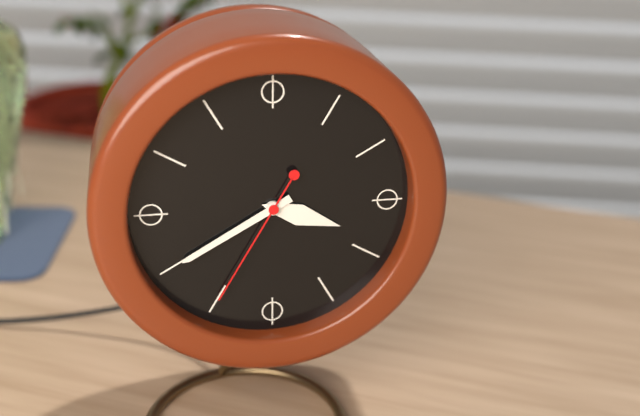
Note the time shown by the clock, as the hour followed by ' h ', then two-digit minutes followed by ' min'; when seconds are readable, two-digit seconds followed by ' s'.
3 h 40 min 35 s
